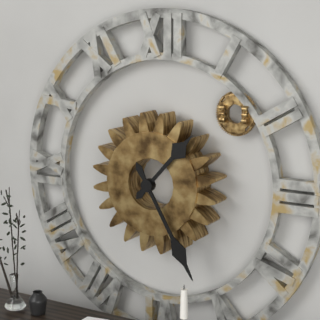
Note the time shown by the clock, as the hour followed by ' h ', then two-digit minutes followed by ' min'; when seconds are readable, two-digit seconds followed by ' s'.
1 h 25 min
